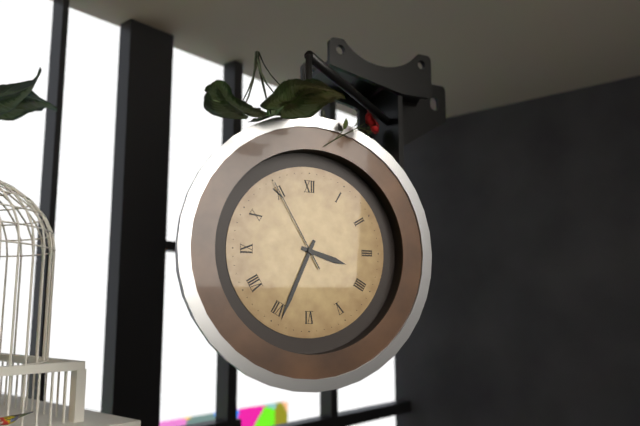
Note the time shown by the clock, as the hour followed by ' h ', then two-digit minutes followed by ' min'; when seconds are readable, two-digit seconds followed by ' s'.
3 h 34 min 55 s
